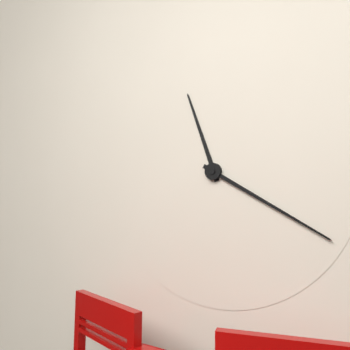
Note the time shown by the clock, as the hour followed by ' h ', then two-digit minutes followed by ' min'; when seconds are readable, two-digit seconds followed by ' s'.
11 h 20 min
